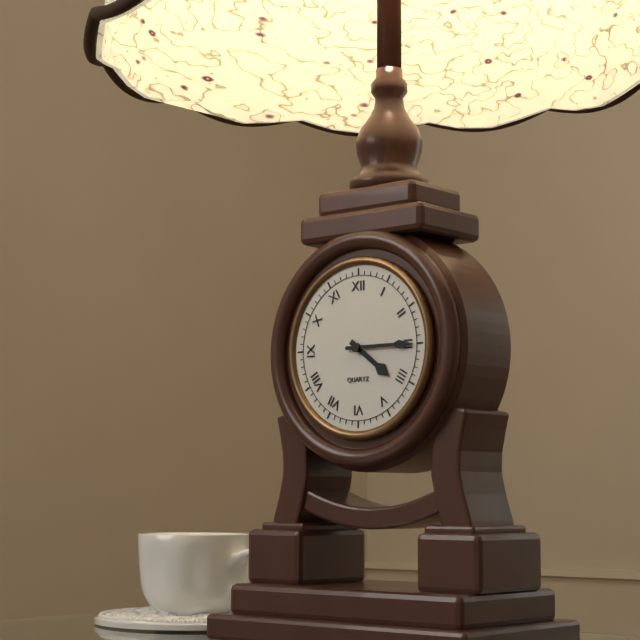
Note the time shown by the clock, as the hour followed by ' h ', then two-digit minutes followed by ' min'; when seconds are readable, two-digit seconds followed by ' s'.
4 h 15 min
